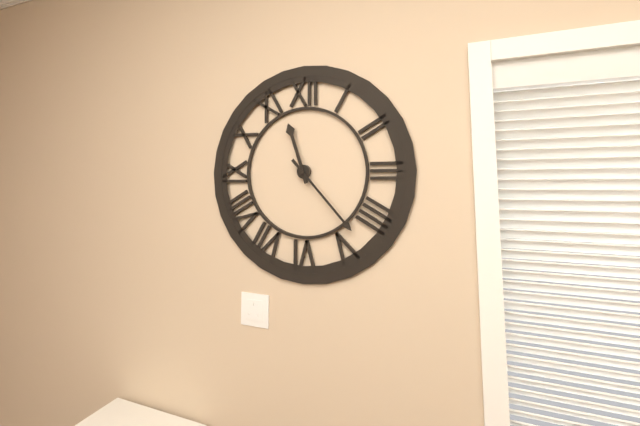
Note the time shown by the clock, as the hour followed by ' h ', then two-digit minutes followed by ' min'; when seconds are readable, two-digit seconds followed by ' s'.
11 h 23 min
